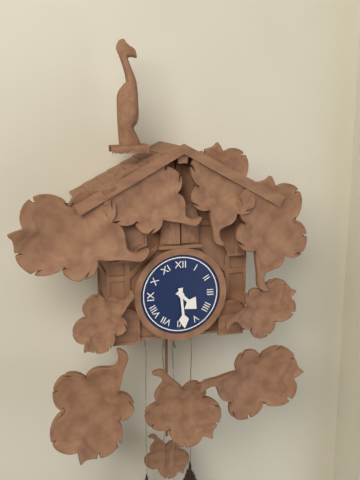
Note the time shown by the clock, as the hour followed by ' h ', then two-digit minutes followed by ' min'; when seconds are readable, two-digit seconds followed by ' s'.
4 h 29 min
